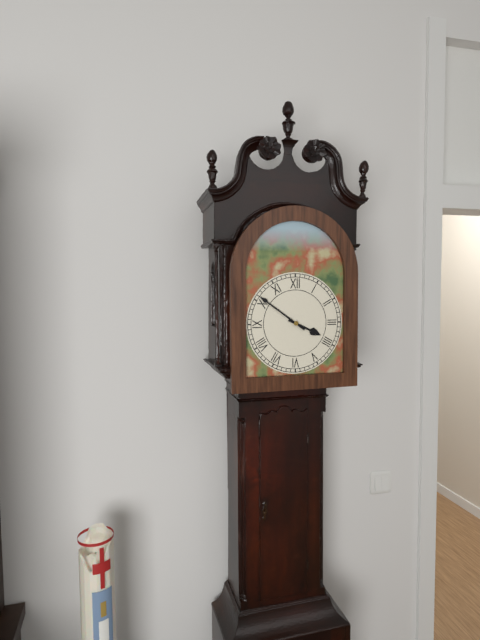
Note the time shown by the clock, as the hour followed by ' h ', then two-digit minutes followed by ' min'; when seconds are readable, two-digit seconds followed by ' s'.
3 h 51 min
